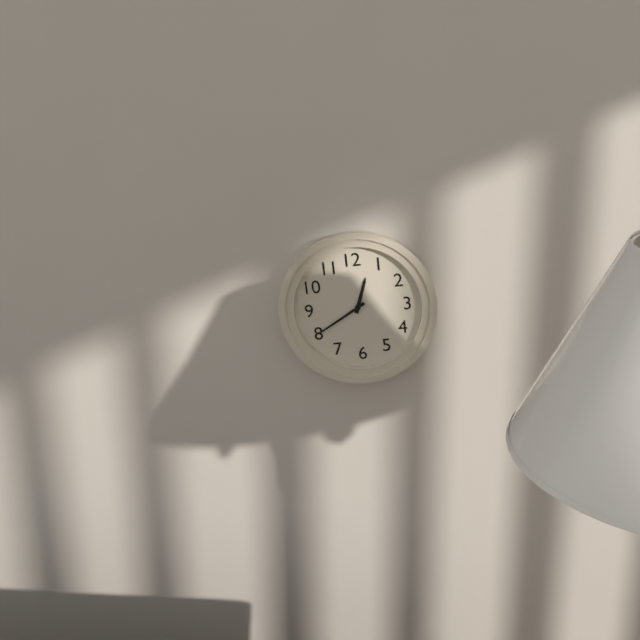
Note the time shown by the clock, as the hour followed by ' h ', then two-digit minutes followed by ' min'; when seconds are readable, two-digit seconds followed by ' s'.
12 h 40 min
